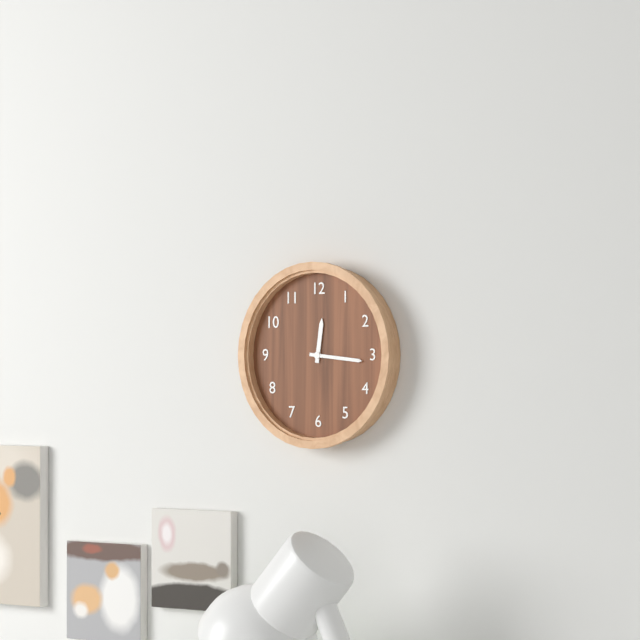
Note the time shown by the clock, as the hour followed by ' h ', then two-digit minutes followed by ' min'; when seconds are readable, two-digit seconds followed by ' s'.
12 h 16 min
